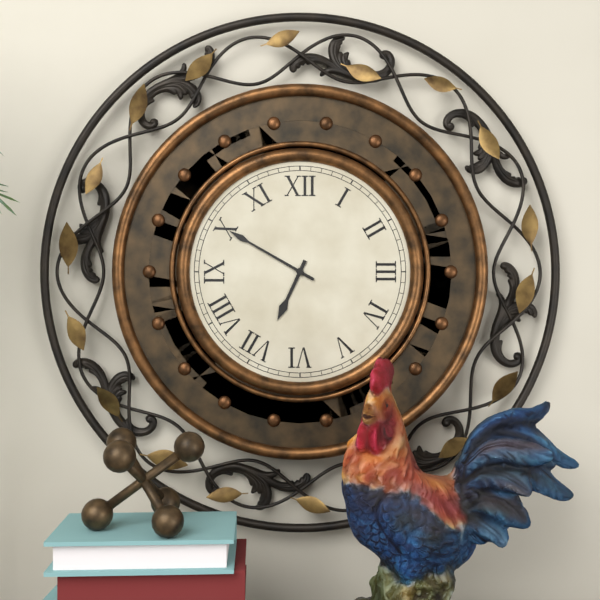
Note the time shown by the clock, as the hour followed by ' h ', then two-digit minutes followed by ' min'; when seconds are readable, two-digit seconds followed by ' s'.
6 h 50 min
